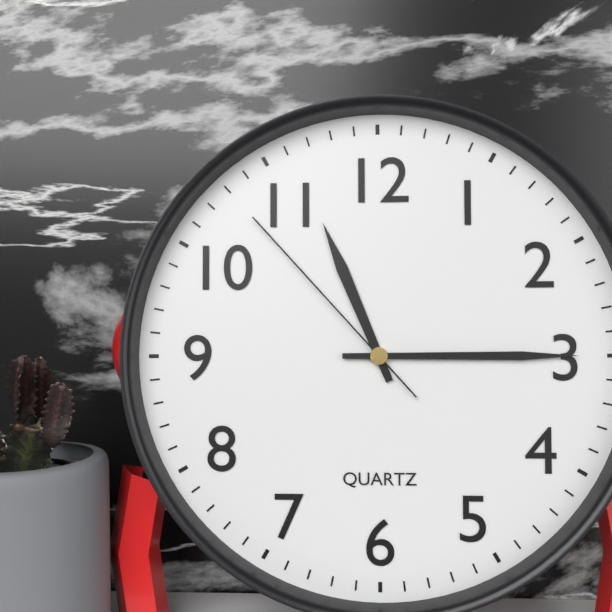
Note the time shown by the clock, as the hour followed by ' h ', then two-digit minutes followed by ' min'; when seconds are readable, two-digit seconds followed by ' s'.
11 h 15 min 53 s
